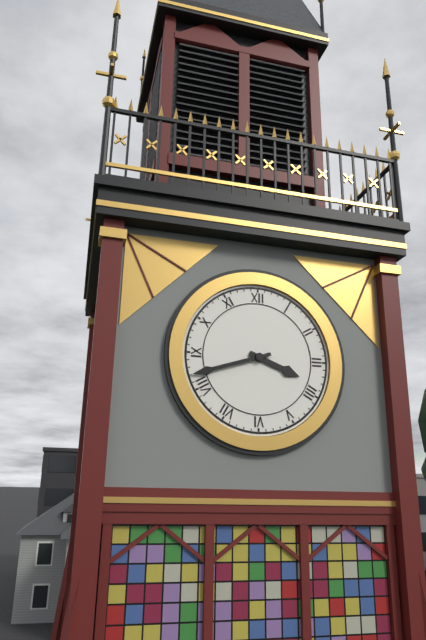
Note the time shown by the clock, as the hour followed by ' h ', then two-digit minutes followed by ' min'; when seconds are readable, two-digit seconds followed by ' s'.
3 h 42 min
